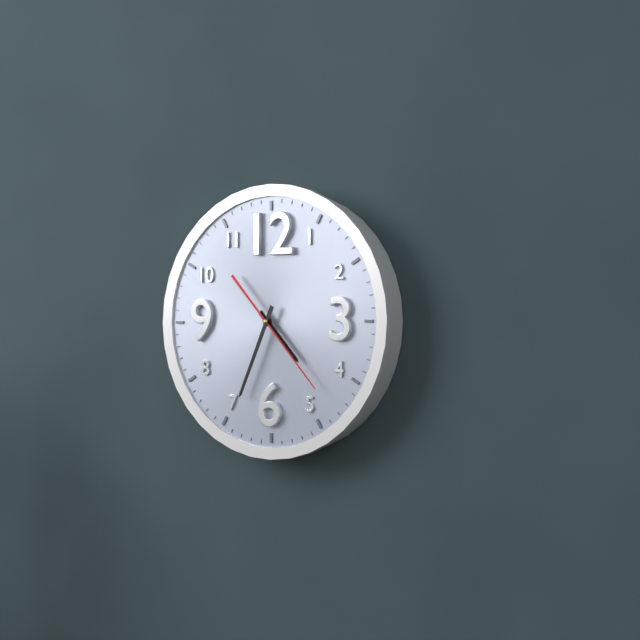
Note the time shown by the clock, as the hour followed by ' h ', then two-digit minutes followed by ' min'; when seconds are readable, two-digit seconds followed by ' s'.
4 h 34 min 23 s
